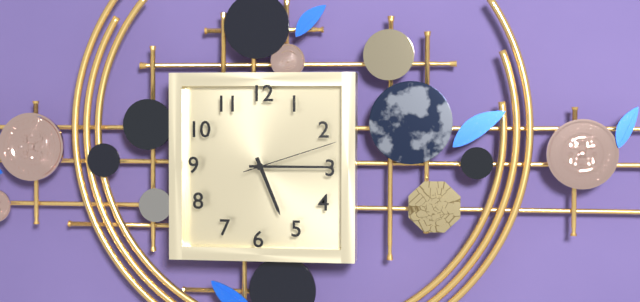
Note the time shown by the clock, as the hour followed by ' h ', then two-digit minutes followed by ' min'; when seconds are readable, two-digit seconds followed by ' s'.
5 h 15 min 12 s
